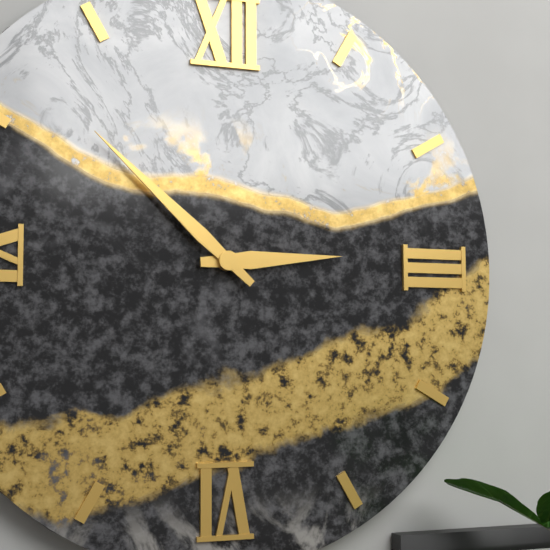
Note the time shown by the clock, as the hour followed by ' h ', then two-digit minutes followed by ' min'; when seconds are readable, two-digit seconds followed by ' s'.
2 h 52 min
